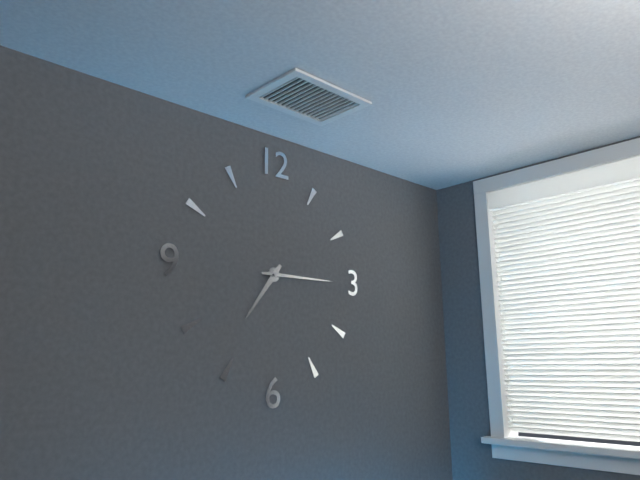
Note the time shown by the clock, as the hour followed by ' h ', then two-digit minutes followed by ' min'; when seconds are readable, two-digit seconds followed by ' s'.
7 h 15 min
